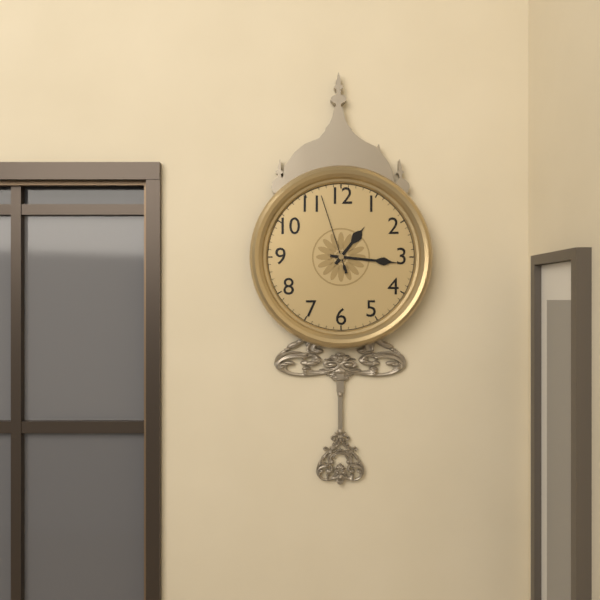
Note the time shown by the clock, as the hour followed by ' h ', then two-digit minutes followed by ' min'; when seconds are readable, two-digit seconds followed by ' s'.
1 h 16 min 57 s
